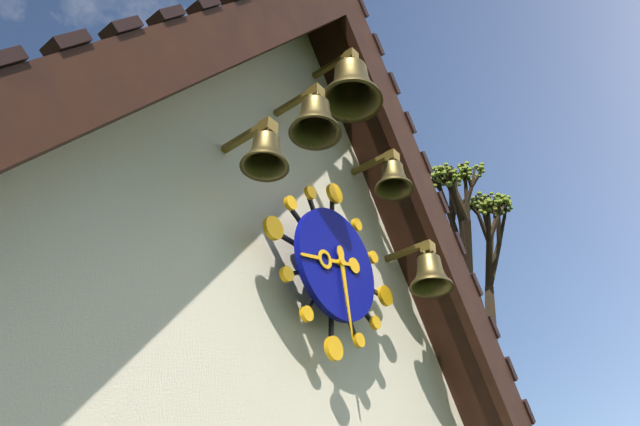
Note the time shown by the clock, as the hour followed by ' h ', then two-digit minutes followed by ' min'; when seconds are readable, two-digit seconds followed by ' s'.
8 h 28 min
